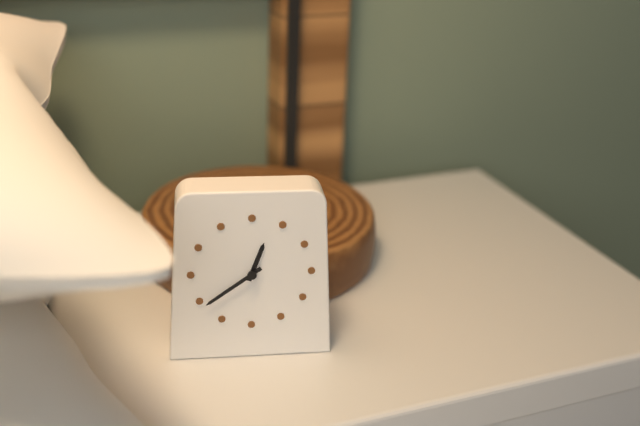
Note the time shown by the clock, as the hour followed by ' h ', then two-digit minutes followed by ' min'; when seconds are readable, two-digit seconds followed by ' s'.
12 h 39 min
